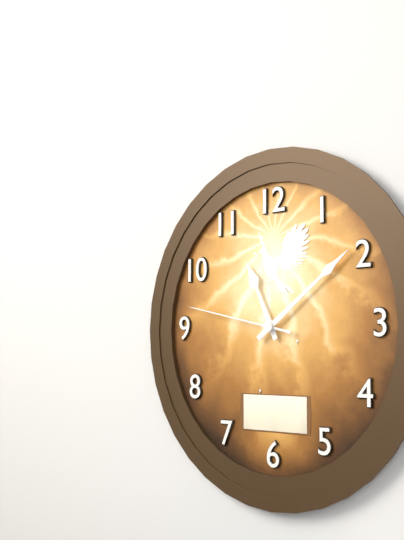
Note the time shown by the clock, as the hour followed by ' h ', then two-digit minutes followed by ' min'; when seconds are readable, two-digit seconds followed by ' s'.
11 h 09 min 47 s
